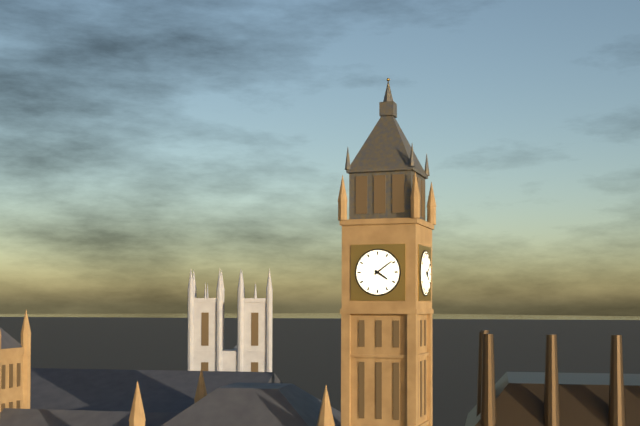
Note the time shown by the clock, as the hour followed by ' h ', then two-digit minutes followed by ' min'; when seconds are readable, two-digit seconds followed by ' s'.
4 h 09 min
